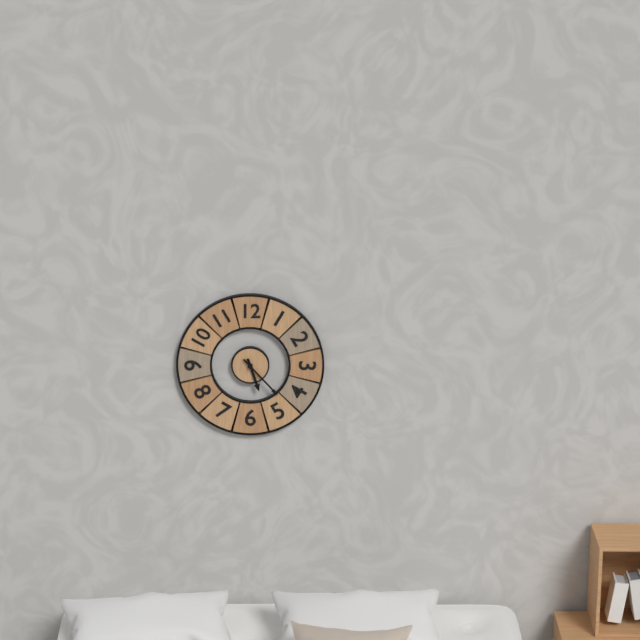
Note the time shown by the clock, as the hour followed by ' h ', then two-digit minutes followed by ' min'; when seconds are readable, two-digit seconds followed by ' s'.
5 h 23 min
